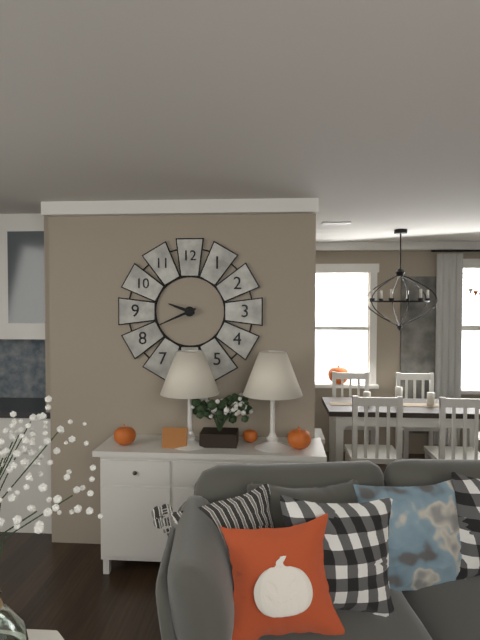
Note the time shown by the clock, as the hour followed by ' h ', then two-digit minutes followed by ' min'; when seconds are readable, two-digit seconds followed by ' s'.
9 h 41 min
